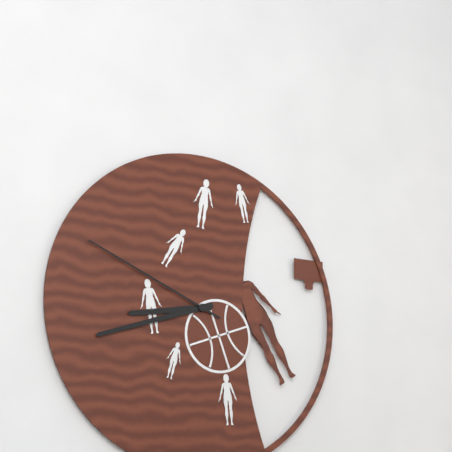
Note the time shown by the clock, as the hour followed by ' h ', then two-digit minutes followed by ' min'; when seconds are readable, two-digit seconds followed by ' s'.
8 h 42 min 49 s
